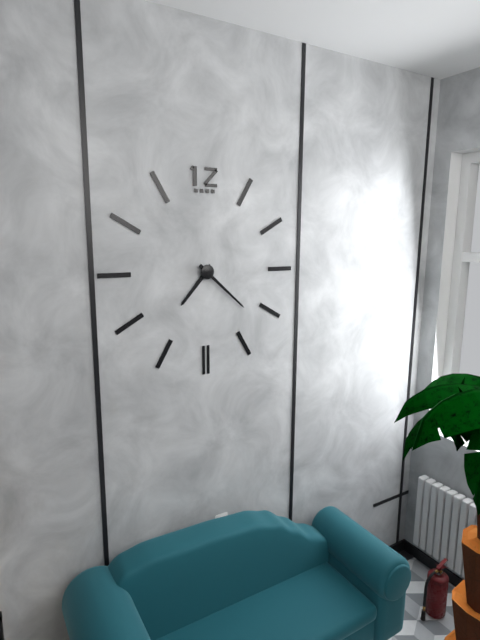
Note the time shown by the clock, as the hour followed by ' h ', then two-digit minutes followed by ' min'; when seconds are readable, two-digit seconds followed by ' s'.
7 h 22 min
